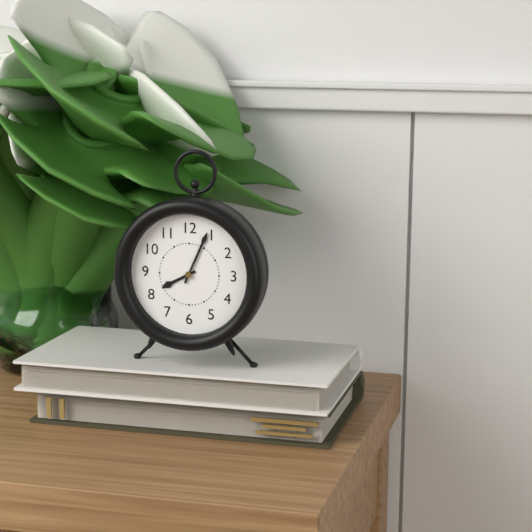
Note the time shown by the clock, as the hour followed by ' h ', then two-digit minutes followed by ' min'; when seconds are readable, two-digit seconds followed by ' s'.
8 h 04 min
